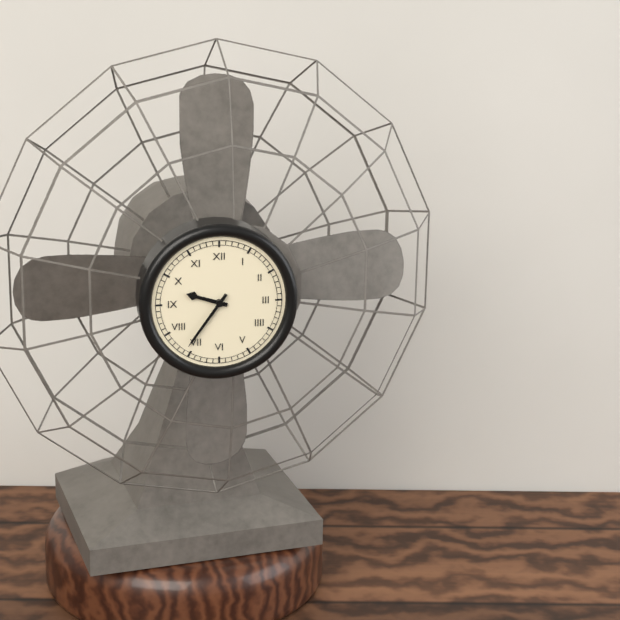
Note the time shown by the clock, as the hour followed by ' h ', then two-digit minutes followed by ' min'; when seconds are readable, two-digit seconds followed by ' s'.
9 h 36 min
